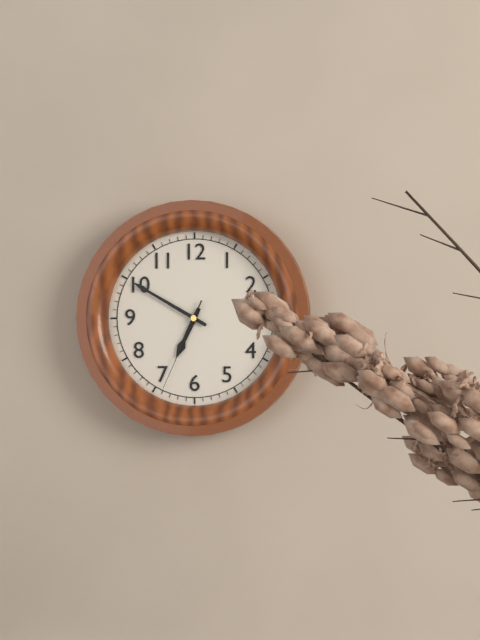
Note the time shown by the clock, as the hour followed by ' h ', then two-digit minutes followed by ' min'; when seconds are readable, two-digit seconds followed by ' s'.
6 h 50 min 34 s
